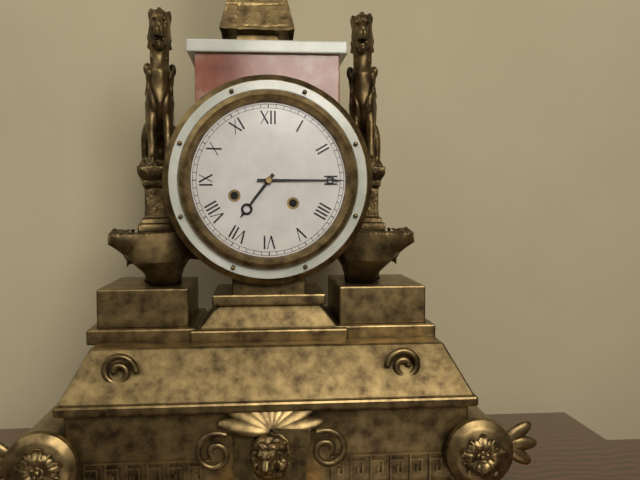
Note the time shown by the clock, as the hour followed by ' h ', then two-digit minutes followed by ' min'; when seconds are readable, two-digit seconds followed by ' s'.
7 h 15 min
